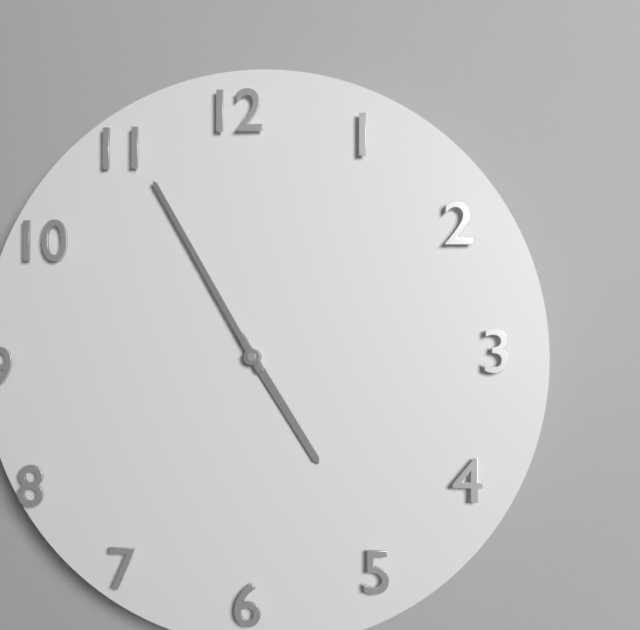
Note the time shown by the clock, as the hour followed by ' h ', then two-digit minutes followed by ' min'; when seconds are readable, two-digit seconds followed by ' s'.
4 h 55 min
